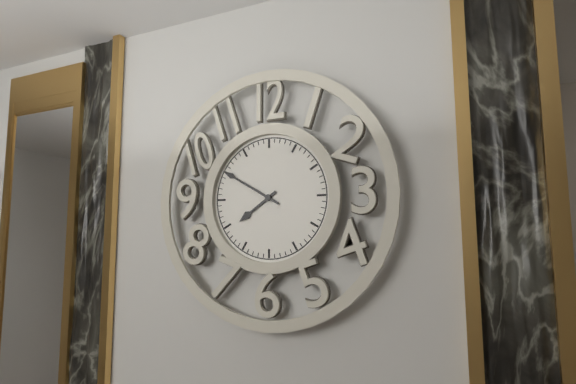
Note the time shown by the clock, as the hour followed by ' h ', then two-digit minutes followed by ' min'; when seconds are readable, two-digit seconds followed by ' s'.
7 h 50 min
